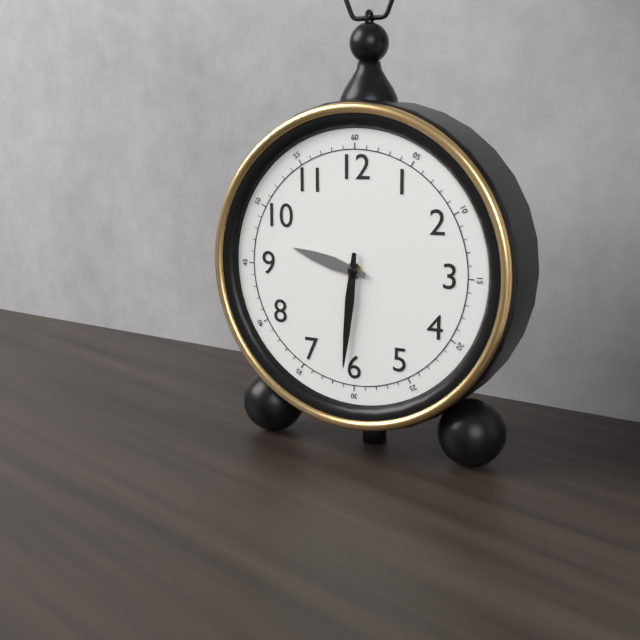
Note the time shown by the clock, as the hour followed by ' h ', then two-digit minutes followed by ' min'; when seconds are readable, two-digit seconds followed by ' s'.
9 h 31 min
